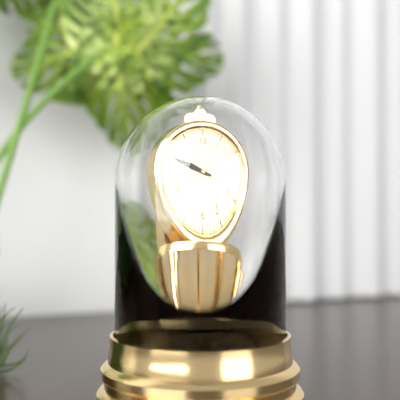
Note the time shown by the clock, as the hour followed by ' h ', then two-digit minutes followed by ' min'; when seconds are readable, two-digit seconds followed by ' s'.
9 h 49 min
